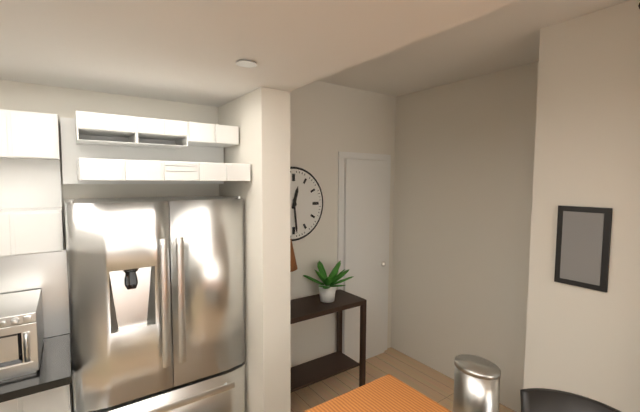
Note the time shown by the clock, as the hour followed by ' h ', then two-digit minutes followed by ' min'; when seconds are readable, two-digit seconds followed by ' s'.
12 h 29 min
